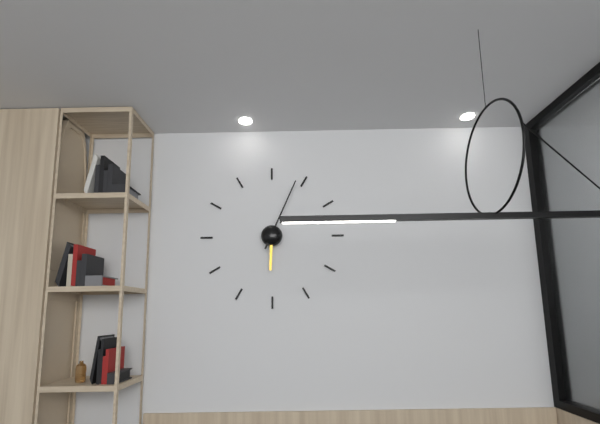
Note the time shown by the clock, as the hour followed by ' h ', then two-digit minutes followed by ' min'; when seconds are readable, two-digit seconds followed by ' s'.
6 h 04 min
